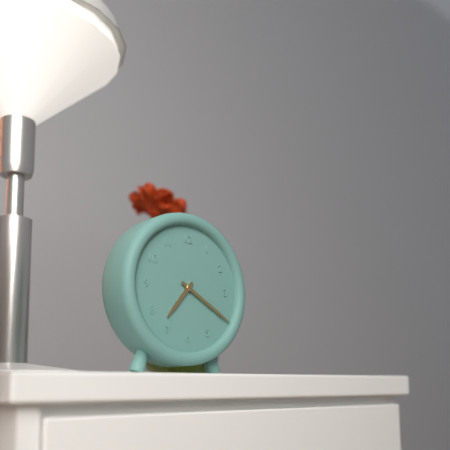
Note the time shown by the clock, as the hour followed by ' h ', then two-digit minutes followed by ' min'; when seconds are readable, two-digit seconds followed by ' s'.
7 h 20 min
